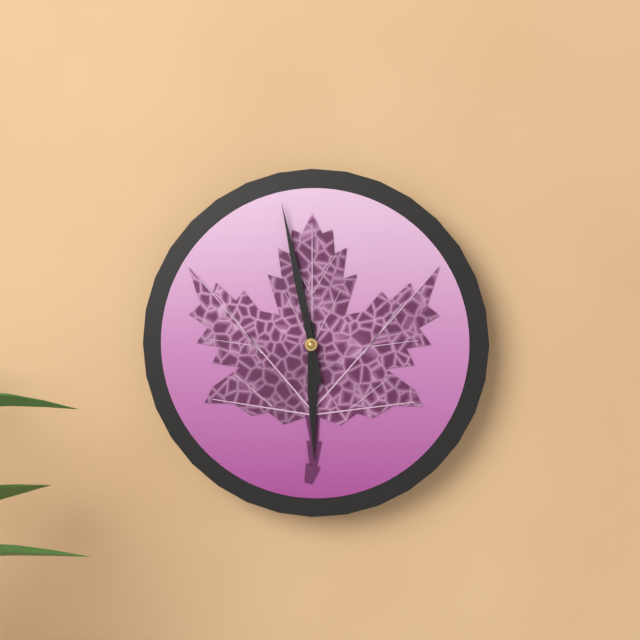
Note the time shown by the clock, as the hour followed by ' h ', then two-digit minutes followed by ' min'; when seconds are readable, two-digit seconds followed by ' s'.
5 h 58 min
